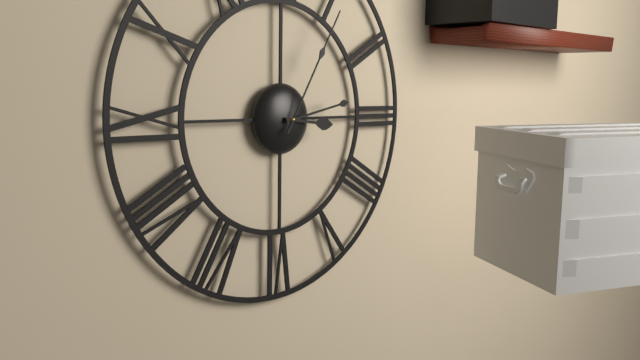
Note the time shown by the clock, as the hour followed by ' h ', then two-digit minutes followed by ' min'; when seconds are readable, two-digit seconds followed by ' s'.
3 h 13 min 05 s
